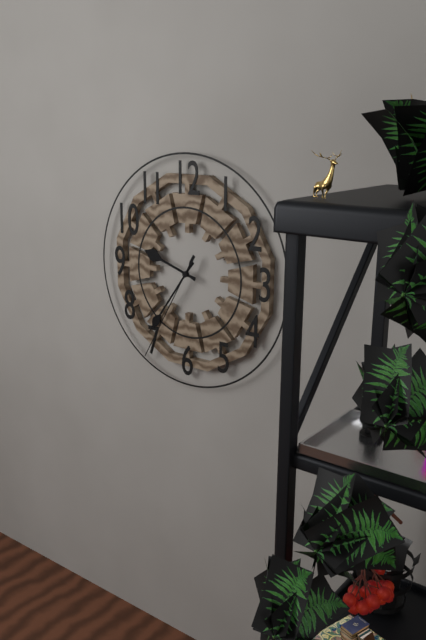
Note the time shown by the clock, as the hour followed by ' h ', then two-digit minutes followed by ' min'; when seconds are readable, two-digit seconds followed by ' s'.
9 h 36 min 35 s
